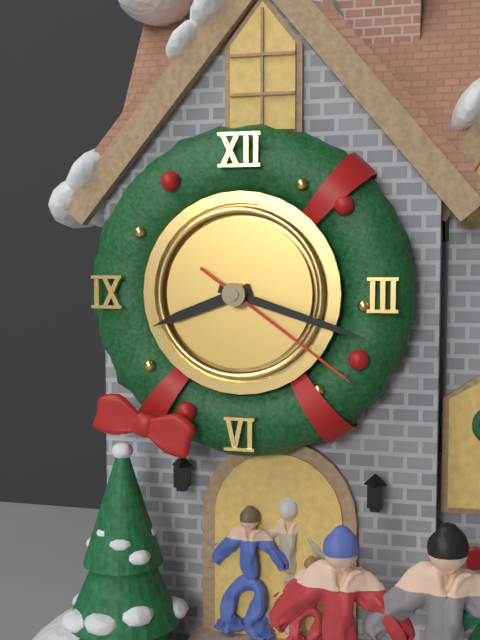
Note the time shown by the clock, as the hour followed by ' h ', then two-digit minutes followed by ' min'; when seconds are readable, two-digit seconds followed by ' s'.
8 h 18 min 21 s
